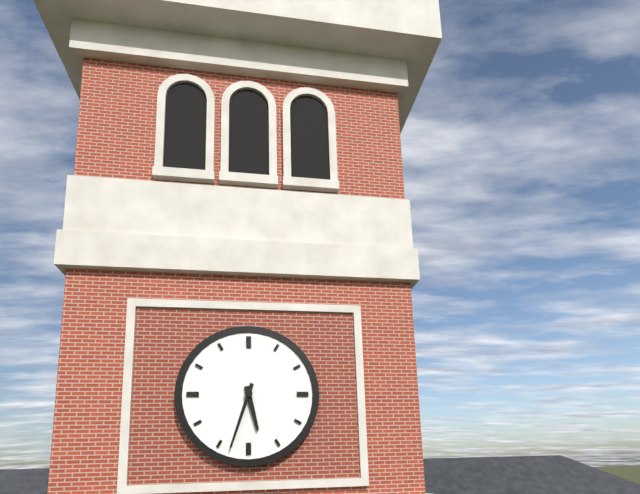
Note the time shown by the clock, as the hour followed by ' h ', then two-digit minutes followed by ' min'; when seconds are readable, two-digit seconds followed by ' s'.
5 h 33 min
